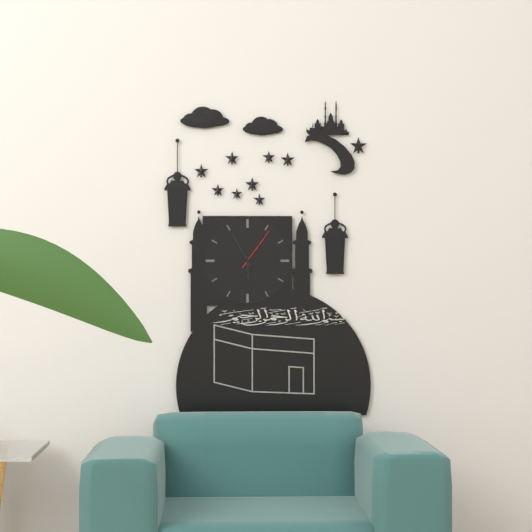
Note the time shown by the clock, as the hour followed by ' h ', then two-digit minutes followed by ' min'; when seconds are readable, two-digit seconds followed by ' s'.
5 h 55 min
